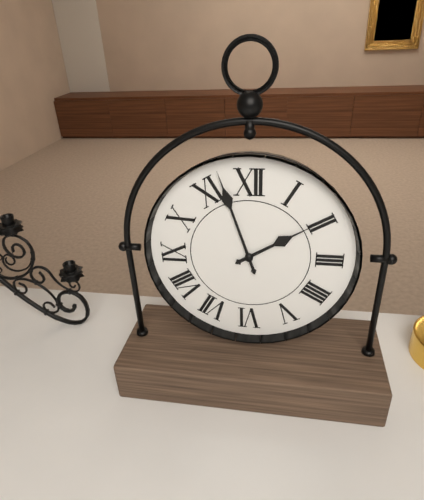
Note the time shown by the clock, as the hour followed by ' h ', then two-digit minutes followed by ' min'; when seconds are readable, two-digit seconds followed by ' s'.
1 h 57 min
